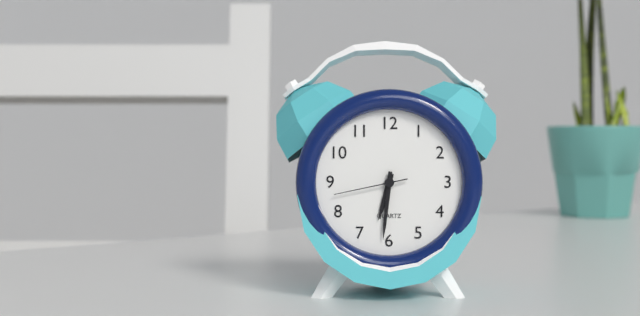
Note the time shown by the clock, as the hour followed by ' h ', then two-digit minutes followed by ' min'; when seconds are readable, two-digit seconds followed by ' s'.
6 h 31 min 43 s
